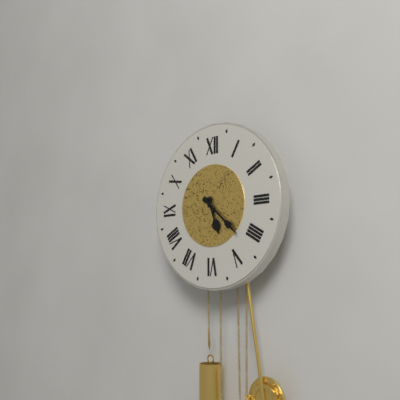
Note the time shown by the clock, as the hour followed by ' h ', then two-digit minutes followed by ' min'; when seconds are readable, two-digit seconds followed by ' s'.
5 h 22 min
